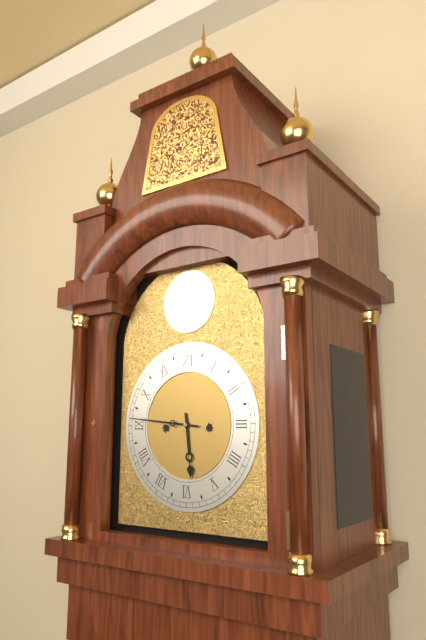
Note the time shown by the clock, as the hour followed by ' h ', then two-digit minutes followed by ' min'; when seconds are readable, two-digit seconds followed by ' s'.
5 h 46 min
